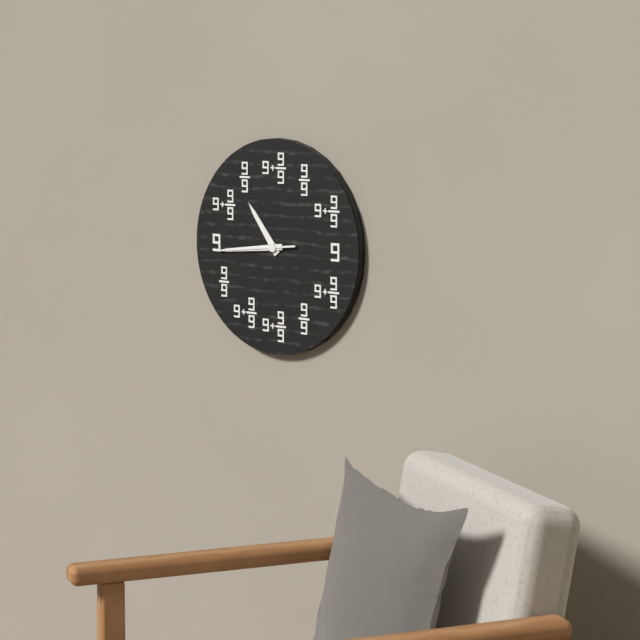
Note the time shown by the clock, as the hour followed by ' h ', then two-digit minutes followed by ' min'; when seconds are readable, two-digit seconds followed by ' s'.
10 h 44 min 44 s
